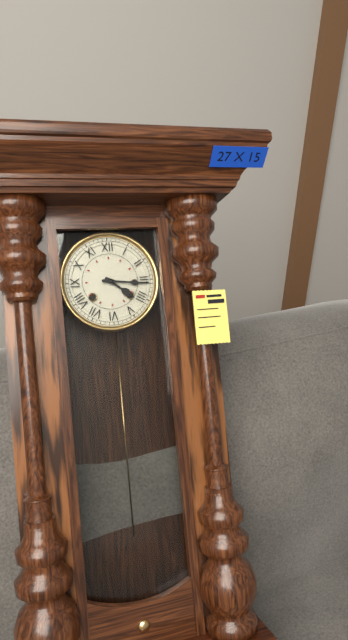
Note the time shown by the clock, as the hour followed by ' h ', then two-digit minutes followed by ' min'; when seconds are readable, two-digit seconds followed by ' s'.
4 h 16 min
